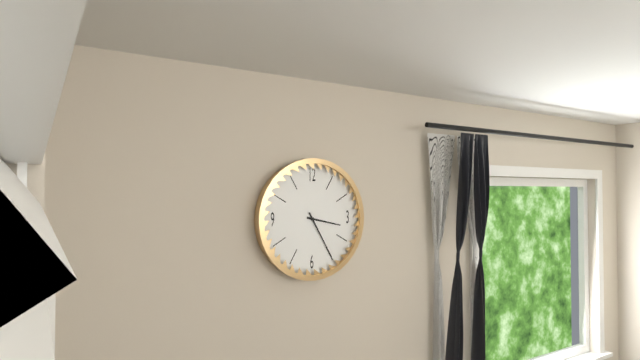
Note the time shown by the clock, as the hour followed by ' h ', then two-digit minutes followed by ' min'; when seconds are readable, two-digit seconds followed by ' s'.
3 h 25 min
